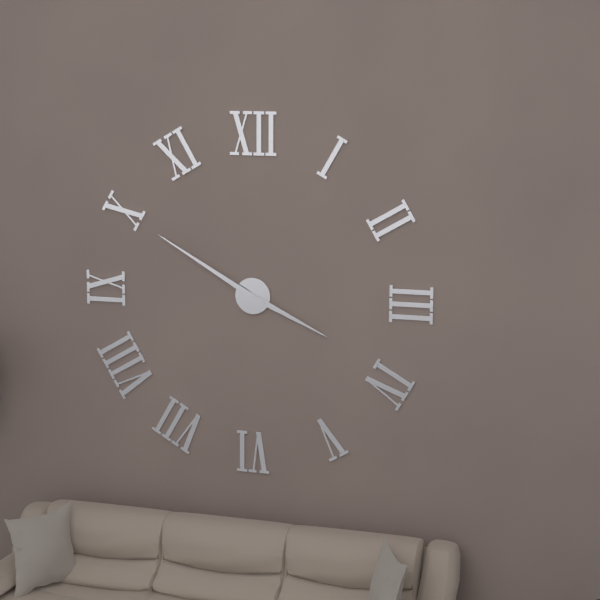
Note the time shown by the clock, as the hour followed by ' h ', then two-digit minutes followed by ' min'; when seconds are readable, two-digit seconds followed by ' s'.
3 h 50 min
